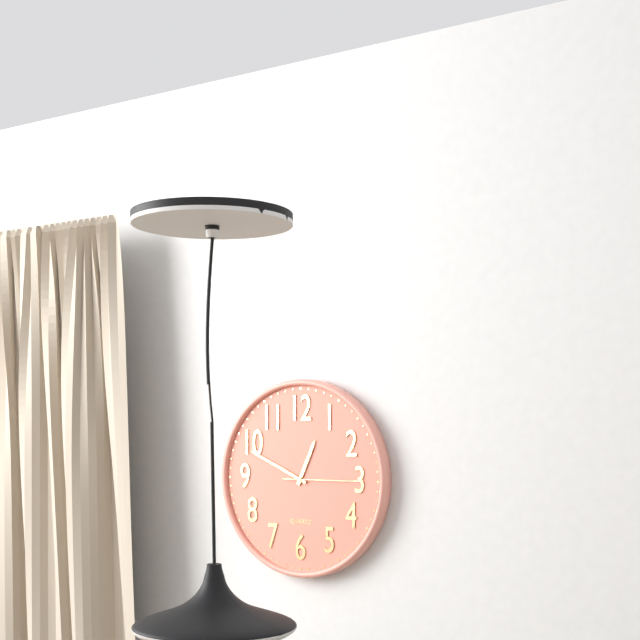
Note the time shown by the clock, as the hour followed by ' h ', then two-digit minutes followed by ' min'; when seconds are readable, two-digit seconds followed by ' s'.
12 h 49 min 15 s
